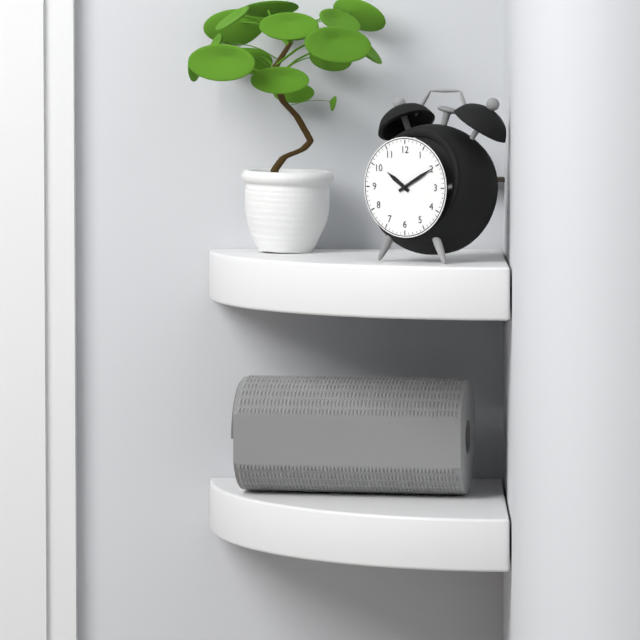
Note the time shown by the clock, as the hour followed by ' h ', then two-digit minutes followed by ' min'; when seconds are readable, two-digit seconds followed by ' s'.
10 h 10 min
